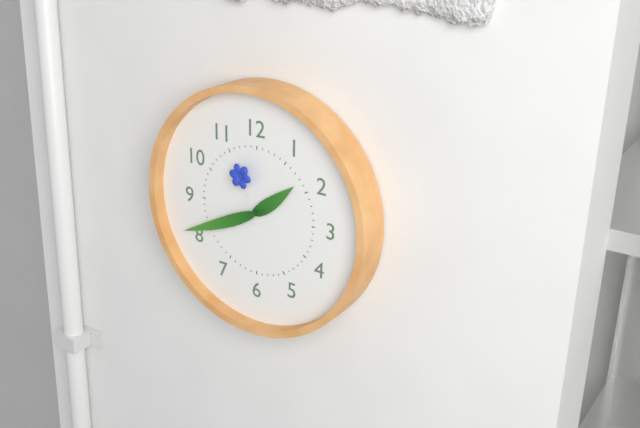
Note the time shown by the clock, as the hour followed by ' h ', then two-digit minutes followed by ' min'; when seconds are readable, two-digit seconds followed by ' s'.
1 h 41 min 57 s
